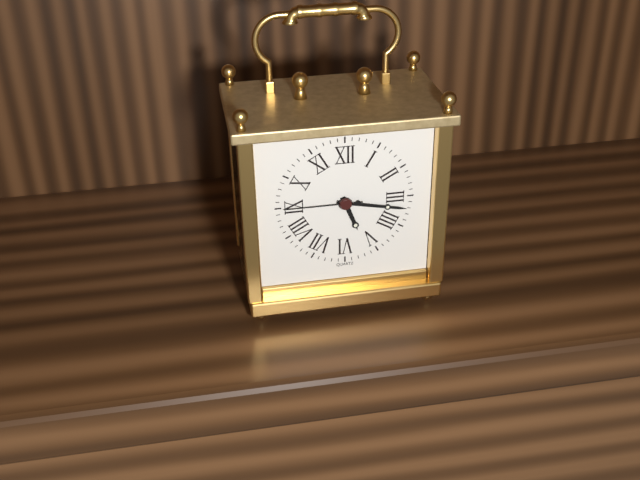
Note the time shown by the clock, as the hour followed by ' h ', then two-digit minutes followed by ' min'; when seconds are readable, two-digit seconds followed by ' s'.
5 h 17 min 45 s
